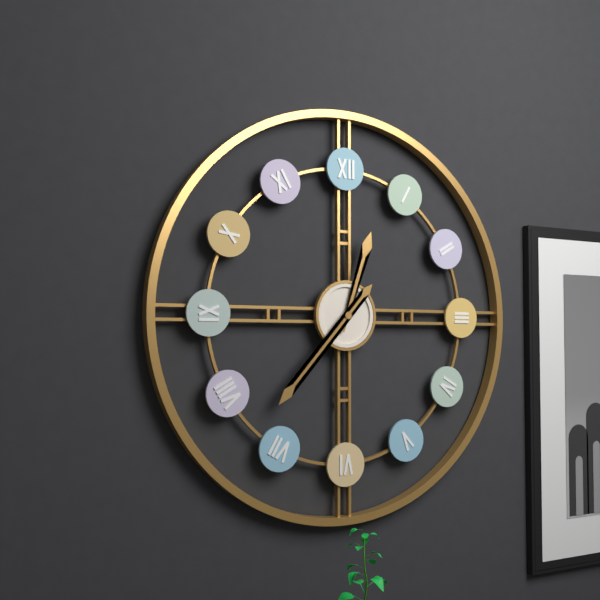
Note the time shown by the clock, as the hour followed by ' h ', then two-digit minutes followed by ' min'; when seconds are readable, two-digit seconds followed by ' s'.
12 h 37 min
